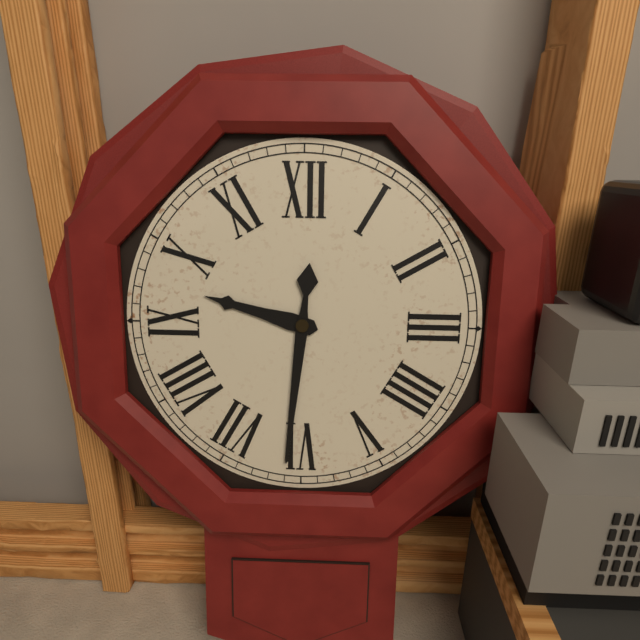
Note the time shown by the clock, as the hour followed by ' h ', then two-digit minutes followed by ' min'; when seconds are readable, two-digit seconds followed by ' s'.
9 h 31 min
